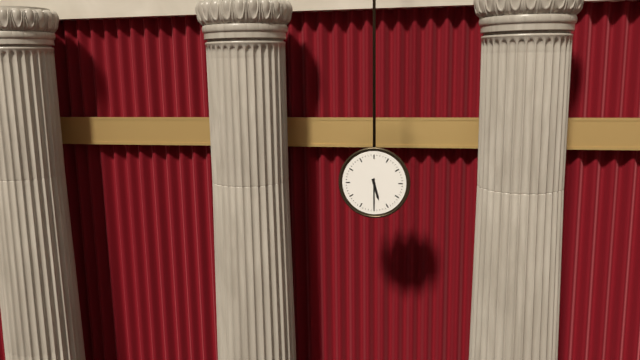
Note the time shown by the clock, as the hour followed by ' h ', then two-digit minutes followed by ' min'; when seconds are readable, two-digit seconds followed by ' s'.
5 h 30 min
